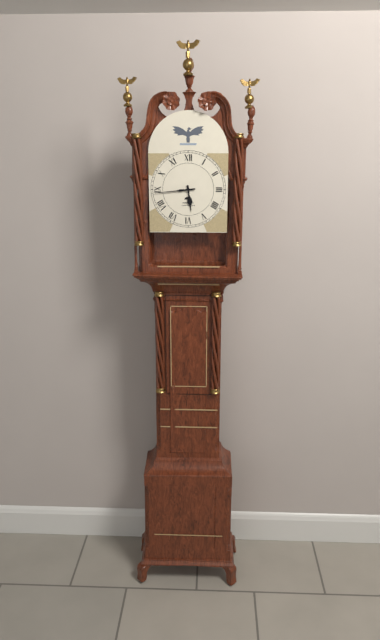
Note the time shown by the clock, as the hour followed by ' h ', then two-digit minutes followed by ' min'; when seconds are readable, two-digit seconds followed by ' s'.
5 h 44 min
